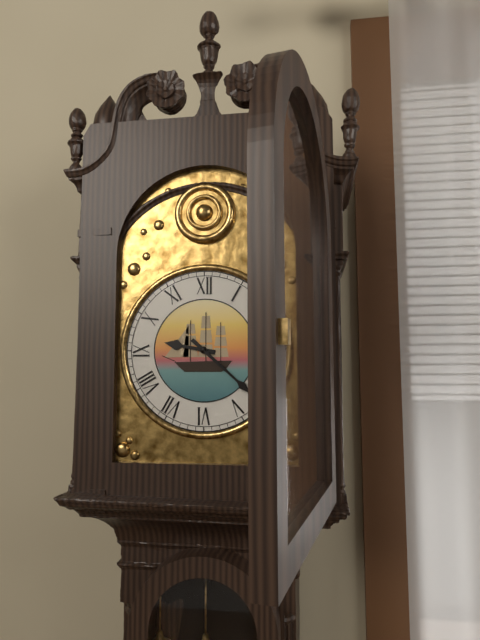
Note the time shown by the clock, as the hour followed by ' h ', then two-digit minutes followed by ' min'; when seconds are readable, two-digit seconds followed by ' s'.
9 h 22 min
